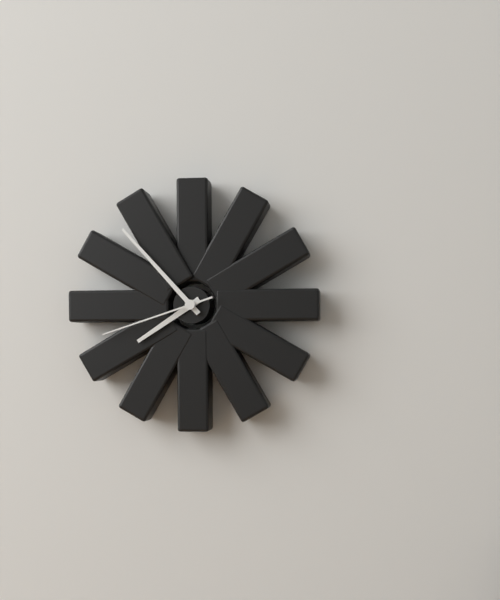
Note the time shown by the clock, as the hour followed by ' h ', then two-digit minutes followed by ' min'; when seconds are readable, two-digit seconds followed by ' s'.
7 h 53 min 42 s
